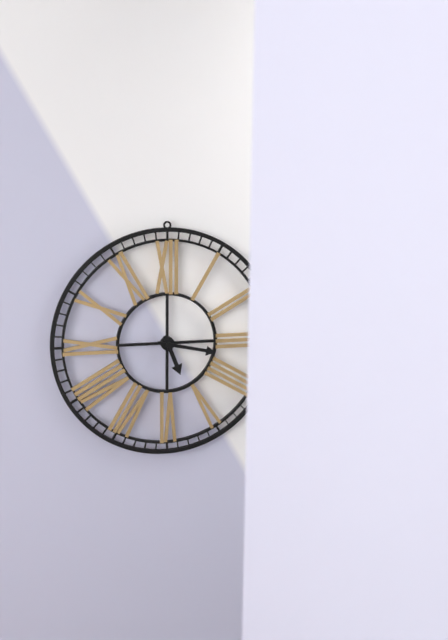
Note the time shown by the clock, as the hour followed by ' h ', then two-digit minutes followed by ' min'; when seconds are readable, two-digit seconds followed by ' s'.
5 h 17 min
